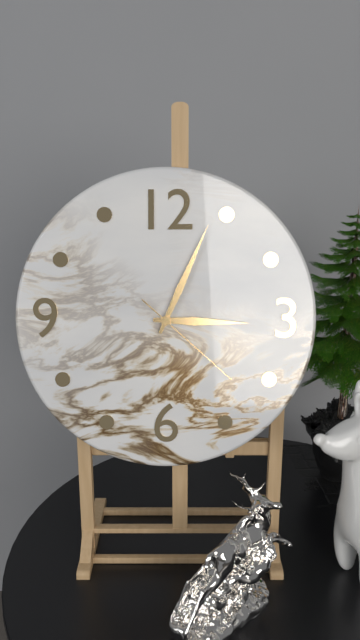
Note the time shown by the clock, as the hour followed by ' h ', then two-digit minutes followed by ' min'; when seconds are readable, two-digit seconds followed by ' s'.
3 h 04 min 22 s
